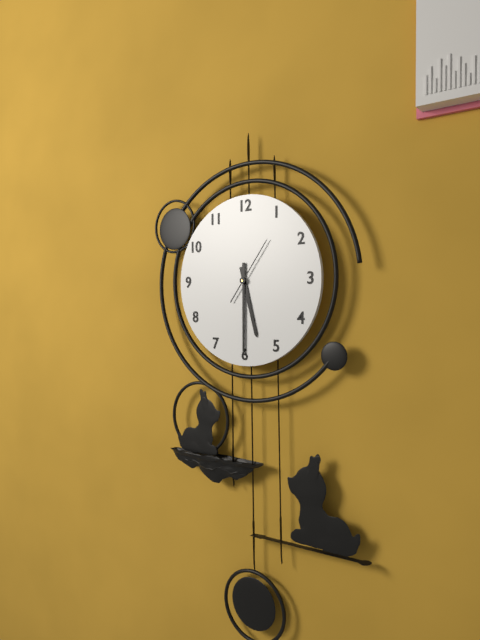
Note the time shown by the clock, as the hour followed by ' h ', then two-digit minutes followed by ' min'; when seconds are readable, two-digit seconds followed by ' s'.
5 h 30 min 06 s
